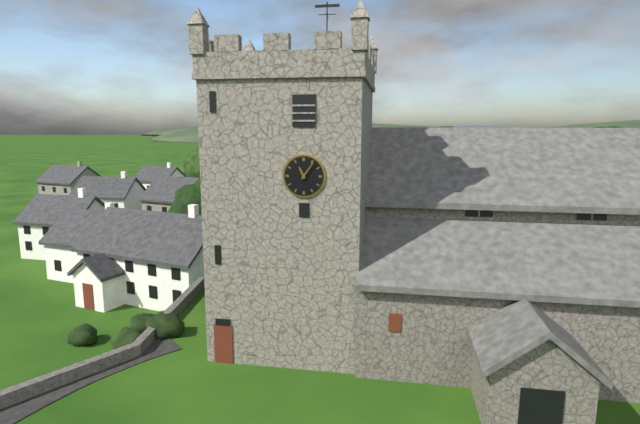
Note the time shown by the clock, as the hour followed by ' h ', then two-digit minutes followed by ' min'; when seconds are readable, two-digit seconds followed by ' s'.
11 h 06 min
